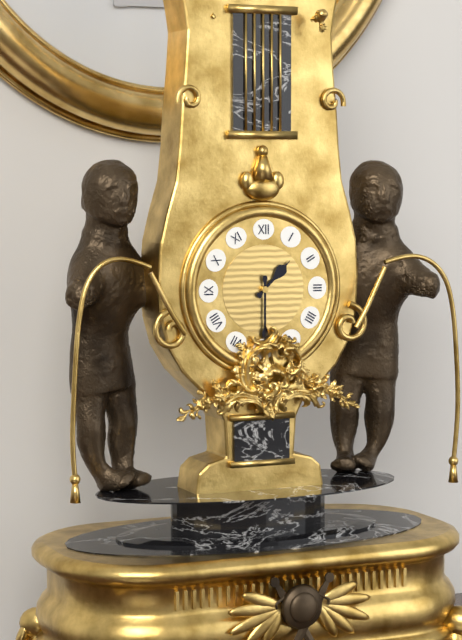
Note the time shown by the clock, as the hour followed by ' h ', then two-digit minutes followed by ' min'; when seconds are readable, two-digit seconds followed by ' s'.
1 h 30 min
